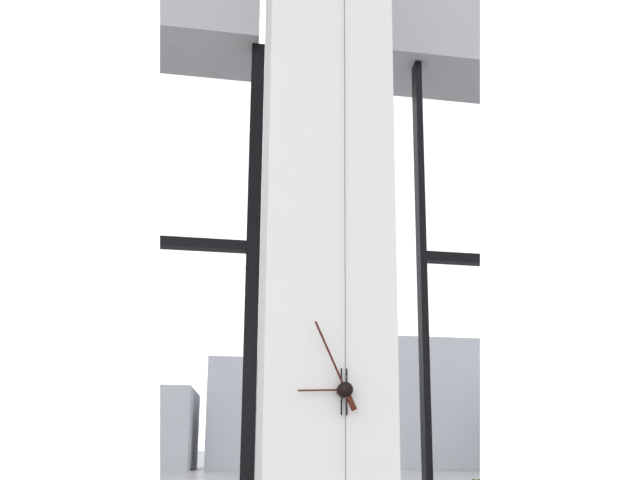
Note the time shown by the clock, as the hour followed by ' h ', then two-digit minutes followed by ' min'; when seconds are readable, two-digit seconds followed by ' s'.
8 h 56 min
